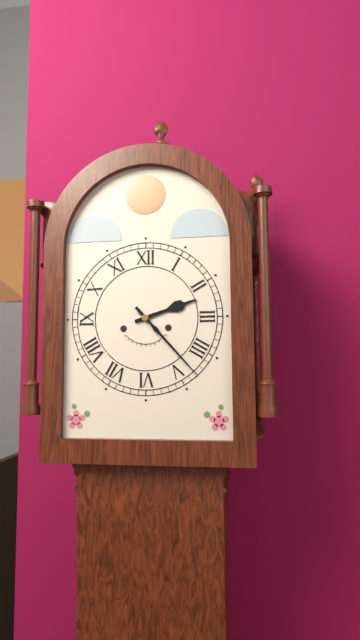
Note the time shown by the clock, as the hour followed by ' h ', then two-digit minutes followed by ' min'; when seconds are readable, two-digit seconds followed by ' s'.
2 h 23 min
